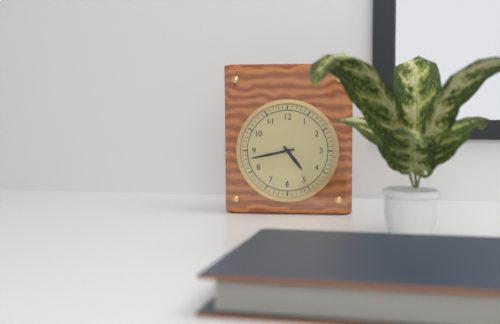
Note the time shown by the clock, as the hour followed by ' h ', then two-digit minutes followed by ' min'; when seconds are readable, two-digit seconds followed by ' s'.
4 h 43 min
